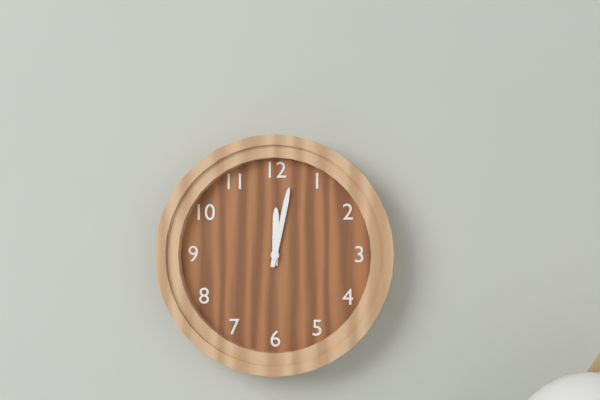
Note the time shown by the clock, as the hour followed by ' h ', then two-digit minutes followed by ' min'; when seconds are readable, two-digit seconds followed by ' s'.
12 h 02 min
